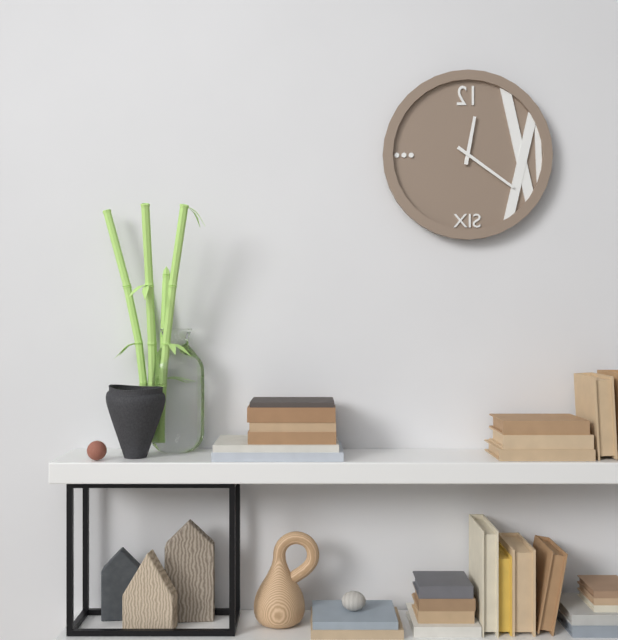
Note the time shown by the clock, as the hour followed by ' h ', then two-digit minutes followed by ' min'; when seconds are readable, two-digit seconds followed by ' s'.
12 h 21 min
